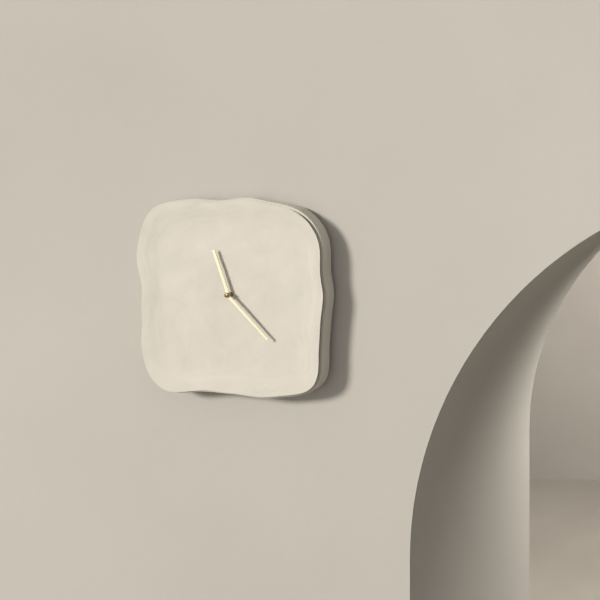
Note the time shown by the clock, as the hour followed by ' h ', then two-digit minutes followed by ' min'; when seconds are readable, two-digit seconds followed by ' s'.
11 h 23 min
